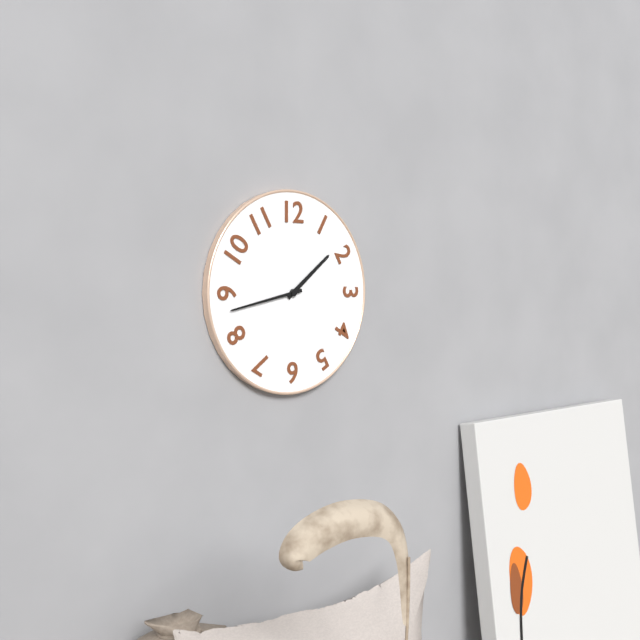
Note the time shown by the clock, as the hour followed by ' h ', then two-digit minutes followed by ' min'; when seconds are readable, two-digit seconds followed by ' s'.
1 h 43 min
